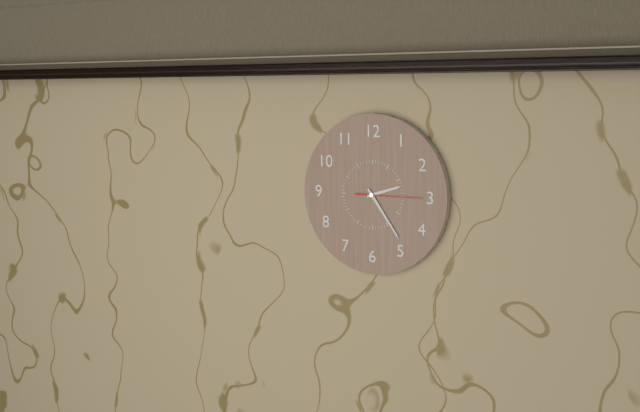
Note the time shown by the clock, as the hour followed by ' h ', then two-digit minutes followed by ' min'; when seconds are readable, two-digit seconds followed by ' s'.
2 h 24 min 15 s
